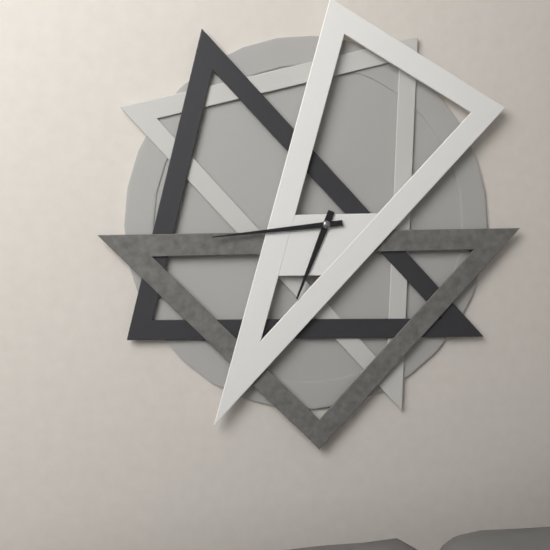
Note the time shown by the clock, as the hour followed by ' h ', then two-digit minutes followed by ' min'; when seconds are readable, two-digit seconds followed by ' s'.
6 h 44 min
